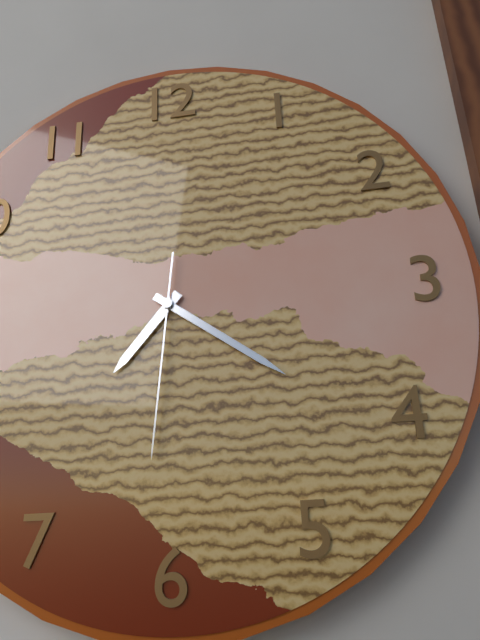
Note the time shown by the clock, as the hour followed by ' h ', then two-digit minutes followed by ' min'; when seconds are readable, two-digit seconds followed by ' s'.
7 h 21 min 31 s
